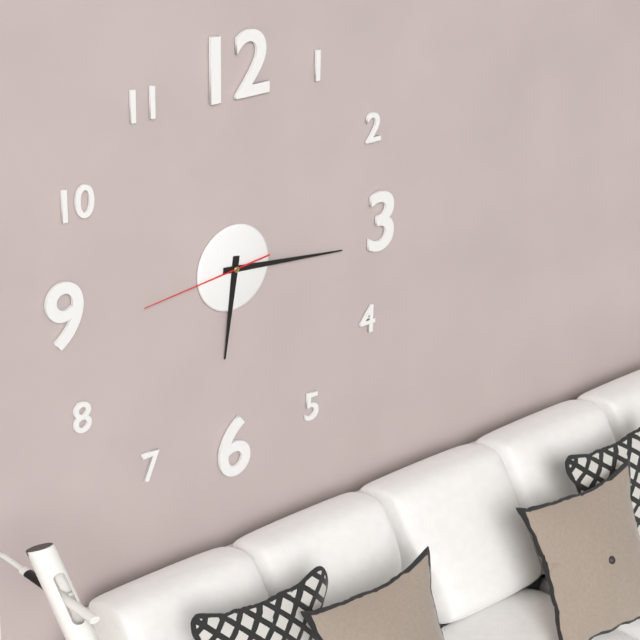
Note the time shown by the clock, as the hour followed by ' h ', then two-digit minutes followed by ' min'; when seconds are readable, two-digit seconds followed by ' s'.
6 h 16 min 44 s
